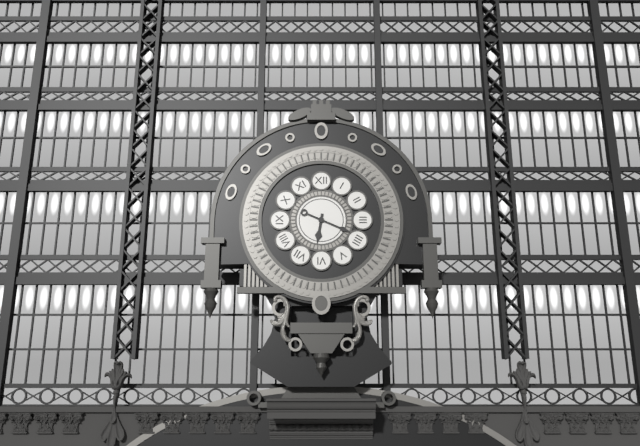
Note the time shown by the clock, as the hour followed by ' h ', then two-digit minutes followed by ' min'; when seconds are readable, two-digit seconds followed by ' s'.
6 h 19 min
